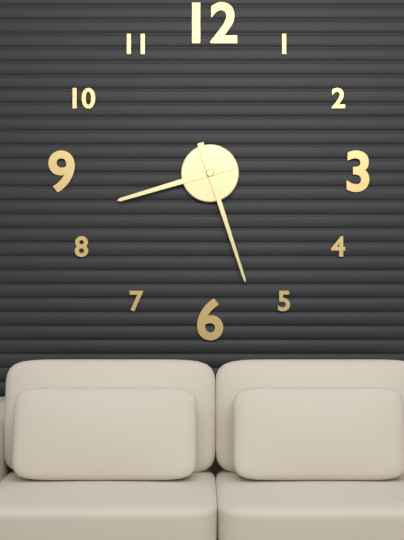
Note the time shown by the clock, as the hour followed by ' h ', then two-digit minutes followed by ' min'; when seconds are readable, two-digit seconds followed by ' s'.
8 h 27 min
